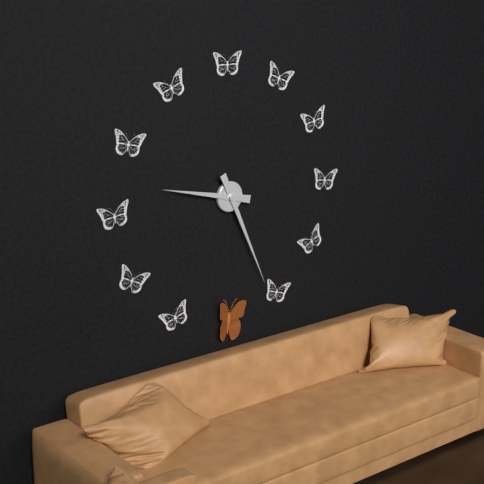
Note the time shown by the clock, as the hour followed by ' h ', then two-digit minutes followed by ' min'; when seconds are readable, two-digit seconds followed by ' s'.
9 h 26 min
